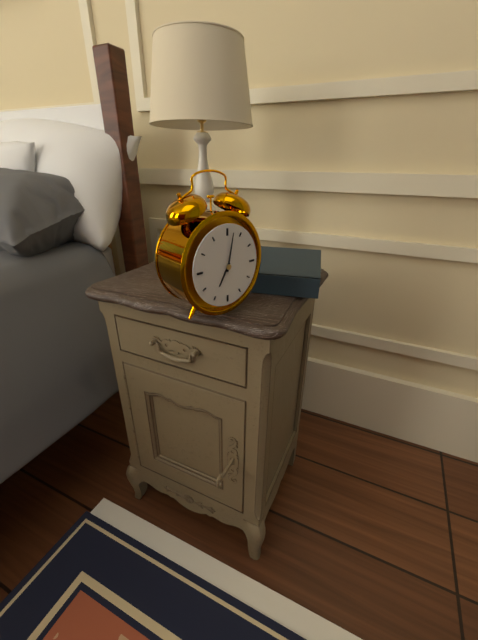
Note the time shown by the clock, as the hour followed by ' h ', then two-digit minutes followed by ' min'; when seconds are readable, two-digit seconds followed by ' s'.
7 h 02 min
